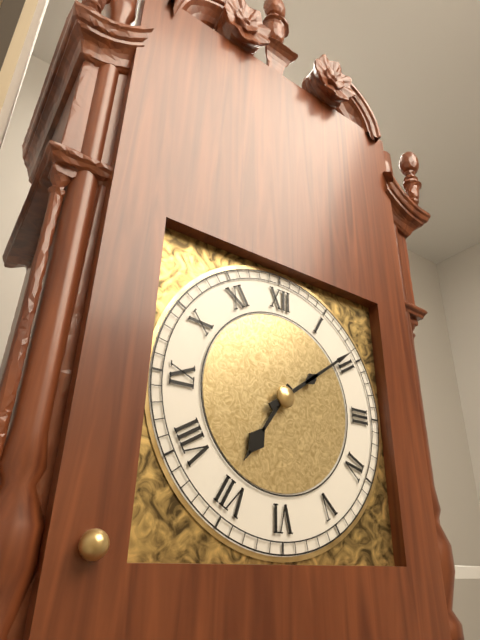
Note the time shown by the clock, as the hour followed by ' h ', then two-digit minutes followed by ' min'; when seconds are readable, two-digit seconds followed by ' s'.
7 h 09 min
